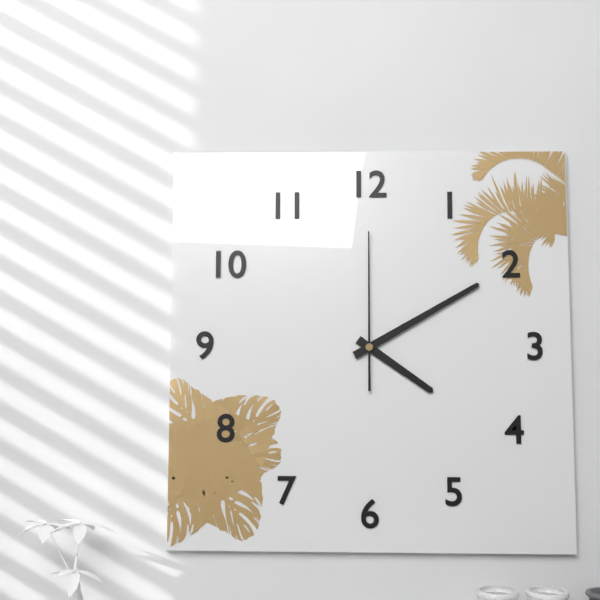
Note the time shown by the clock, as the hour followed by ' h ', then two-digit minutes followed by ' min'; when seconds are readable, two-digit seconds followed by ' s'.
4 h 10 min 00 s
